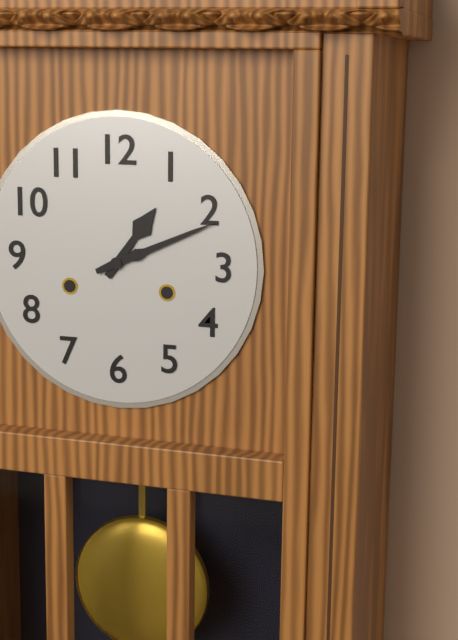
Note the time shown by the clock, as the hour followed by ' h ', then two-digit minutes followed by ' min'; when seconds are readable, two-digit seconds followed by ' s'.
1 h 11 min
